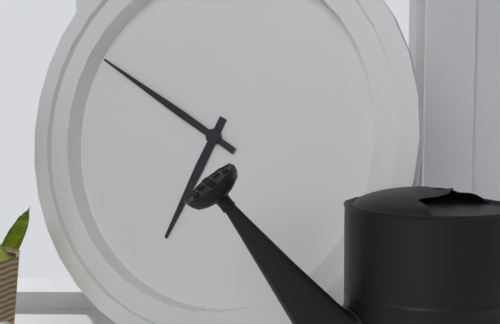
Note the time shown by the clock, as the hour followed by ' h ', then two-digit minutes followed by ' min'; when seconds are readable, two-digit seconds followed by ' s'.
6 h 50 min
